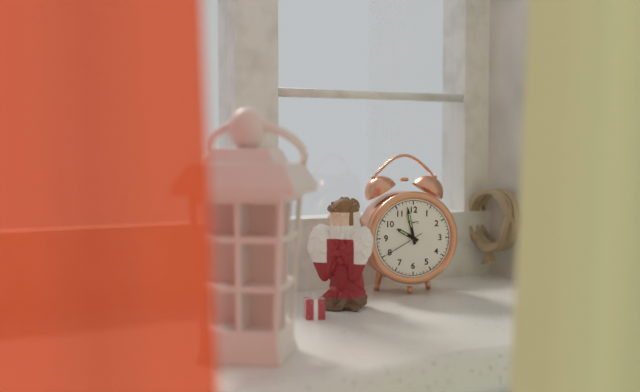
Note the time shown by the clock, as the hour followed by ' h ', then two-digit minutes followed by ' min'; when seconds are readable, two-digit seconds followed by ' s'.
9 h 58 min
